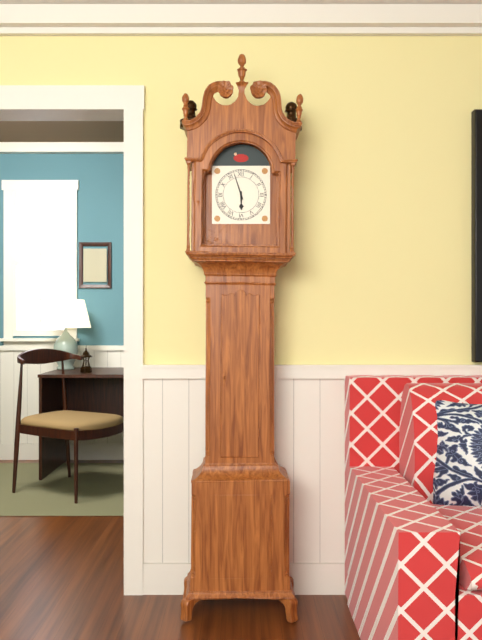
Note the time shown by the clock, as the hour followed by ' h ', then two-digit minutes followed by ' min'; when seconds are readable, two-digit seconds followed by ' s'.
5 h 57 min
